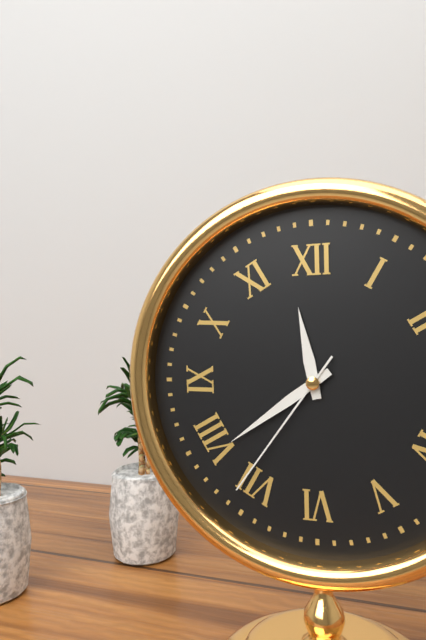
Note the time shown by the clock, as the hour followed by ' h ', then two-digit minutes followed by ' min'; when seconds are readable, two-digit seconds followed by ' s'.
11 h 39 min 36 s
